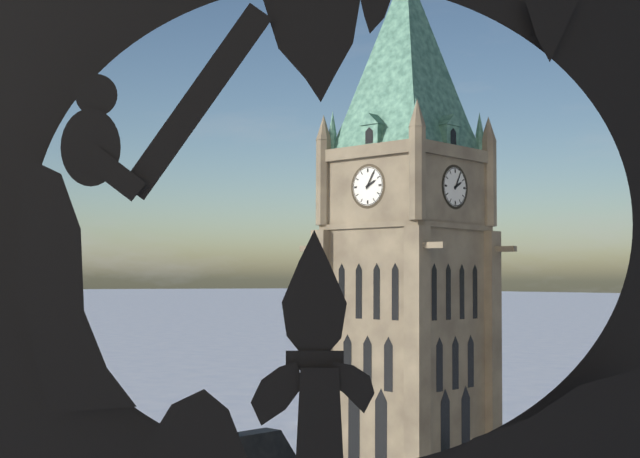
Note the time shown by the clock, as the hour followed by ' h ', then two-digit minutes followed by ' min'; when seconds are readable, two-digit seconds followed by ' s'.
2 h 05 min
